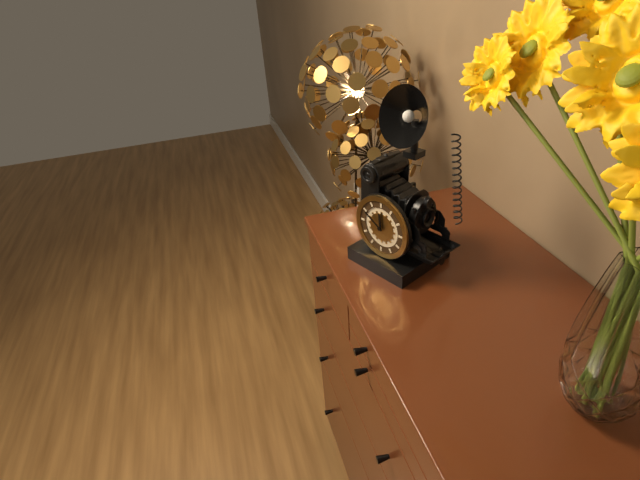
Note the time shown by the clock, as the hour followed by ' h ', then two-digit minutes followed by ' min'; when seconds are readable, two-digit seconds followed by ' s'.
11 h 50 min
